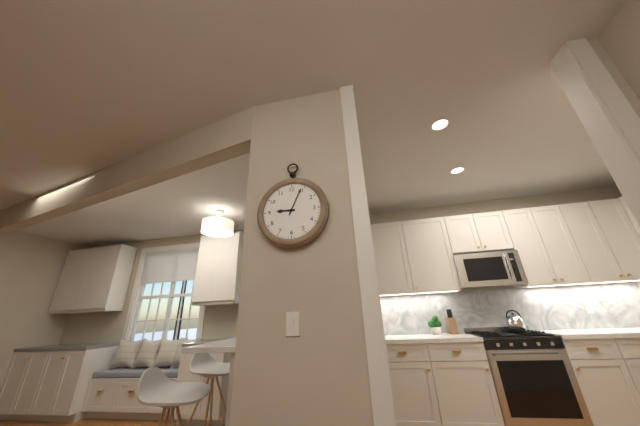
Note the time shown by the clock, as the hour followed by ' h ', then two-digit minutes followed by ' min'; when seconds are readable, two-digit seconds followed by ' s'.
9 h 04 min
